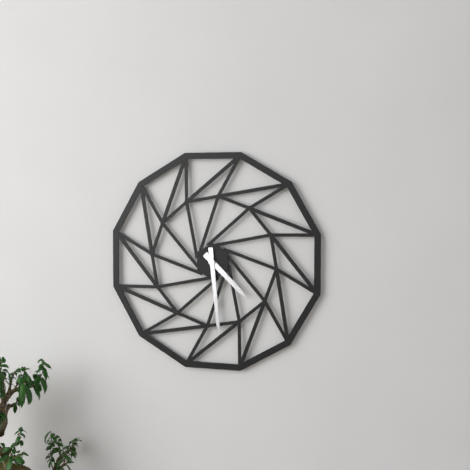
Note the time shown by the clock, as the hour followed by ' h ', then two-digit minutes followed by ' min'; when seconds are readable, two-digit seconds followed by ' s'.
4 h 29 min
